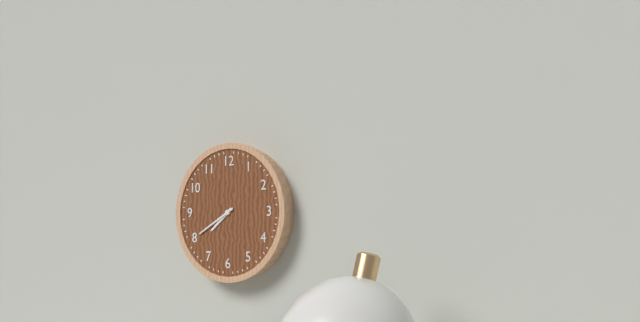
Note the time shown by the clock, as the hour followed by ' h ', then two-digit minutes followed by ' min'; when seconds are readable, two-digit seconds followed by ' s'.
7 h 40 min
